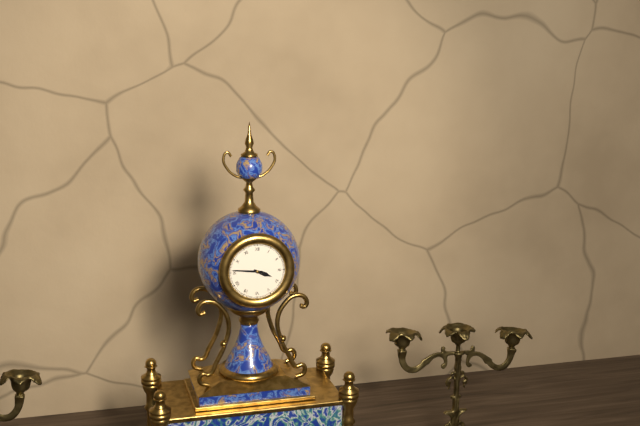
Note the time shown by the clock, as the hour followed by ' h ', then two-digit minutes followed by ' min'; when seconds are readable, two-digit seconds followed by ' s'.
3 h 46 min
